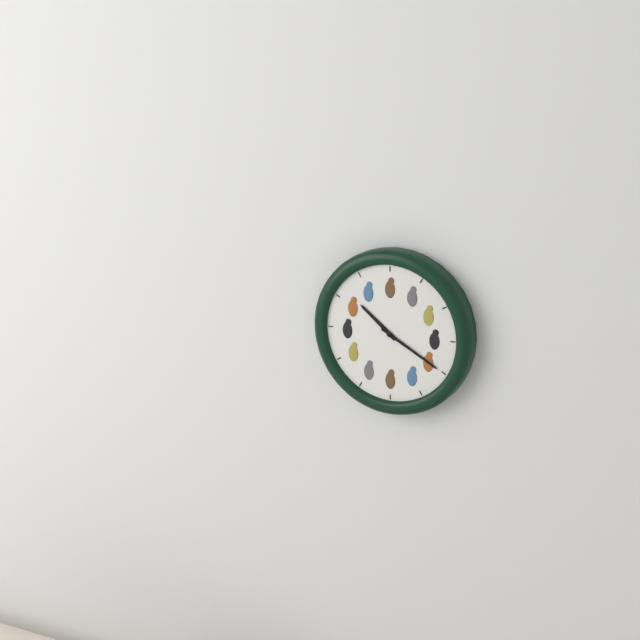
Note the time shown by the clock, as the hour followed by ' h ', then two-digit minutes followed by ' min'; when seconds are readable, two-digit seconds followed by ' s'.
10 h 20 min
